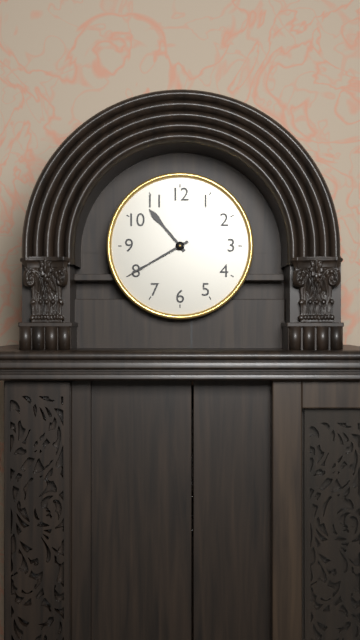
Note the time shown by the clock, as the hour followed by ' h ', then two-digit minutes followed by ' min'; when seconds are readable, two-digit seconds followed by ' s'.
10 h 40 min
